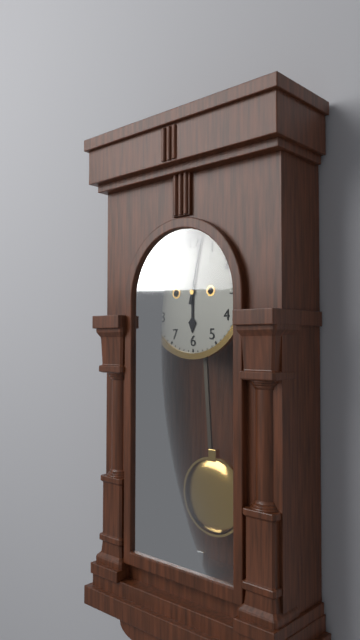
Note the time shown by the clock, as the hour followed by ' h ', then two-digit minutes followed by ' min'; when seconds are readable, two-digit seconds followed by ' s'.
6 h 02 min
